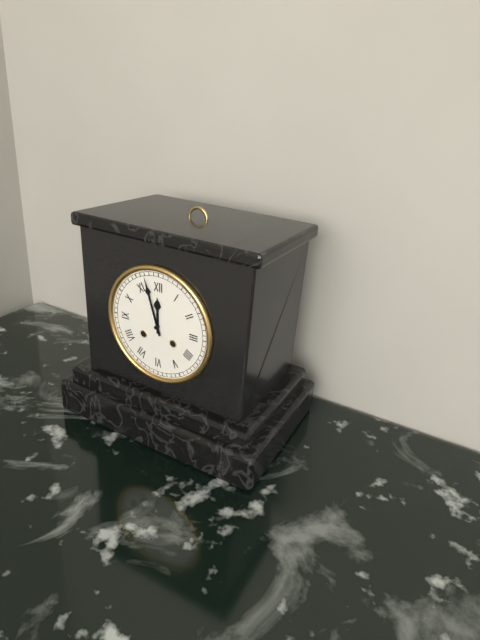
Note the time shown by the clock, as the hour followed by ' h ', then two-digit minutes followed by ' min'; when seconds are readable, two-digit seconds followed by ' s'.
11 h 57 min
